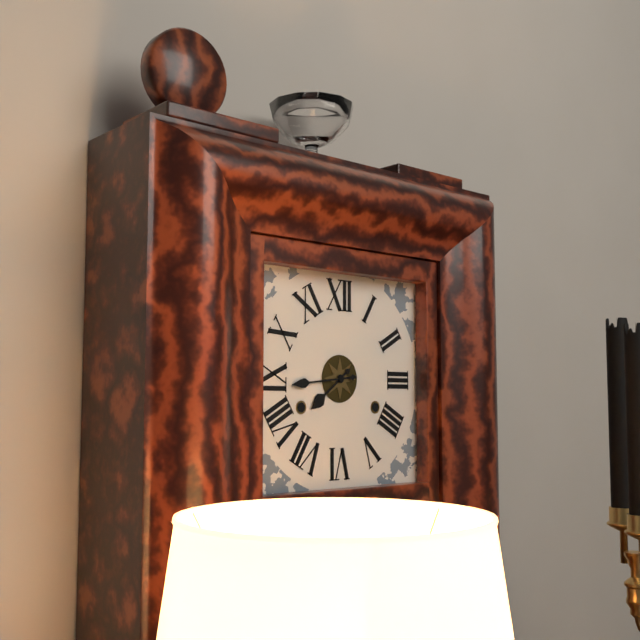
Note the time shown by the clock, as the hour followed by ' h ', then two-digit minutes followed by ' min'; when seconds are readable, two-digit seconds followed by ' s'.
7 h 44 min
